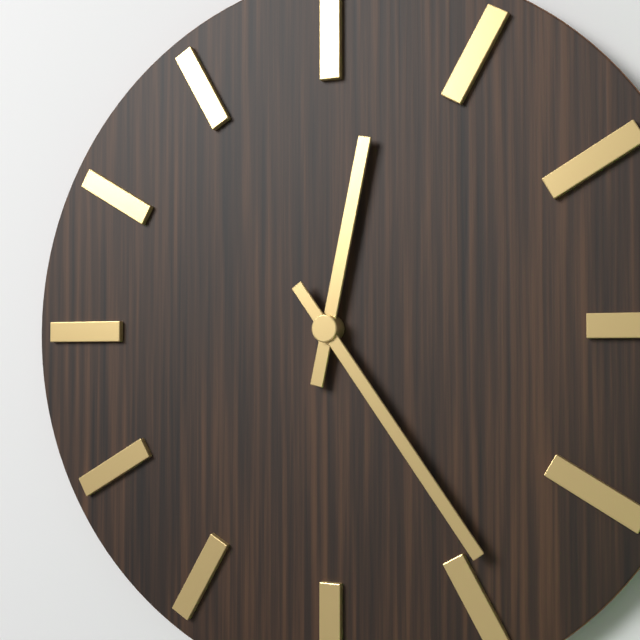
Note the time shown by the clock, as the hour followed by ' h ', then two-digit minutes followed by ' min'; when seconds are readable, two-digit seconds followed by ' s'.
12 h 24 min
